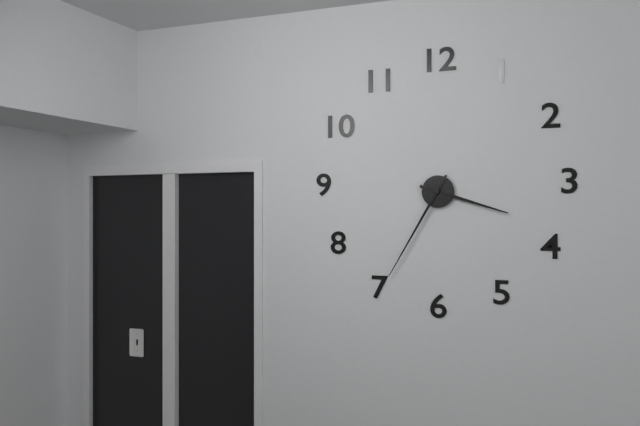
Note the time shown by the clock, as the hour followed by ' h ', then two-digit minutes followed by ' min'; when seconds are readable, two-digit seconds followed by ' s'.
3 h 35 min
